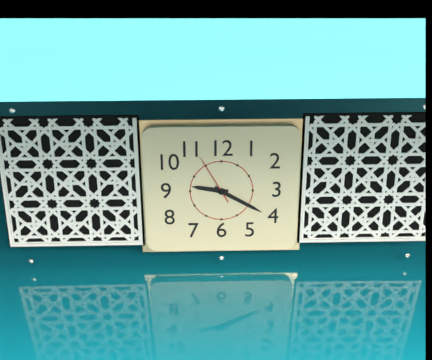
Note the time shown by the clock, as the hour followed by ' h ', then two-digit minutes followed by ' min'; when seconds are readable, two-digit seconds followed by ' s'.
9 h 20 min 55 s
